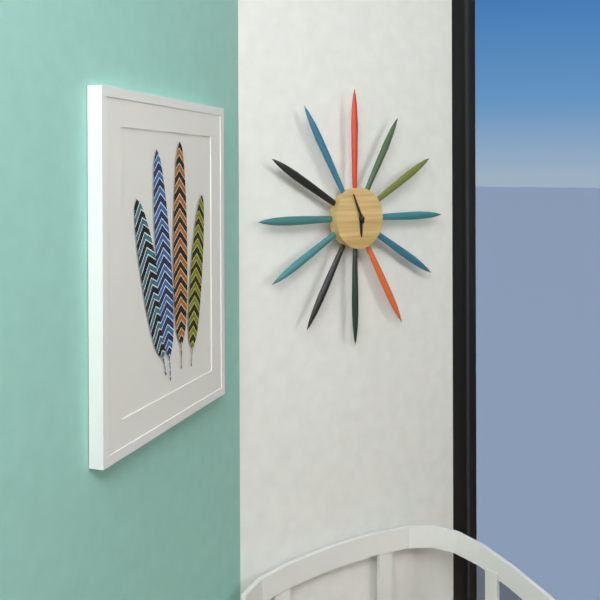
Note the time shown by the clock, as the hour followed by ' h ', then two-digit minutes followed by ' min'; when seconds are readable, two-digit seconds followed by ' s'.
5 h 56 min
